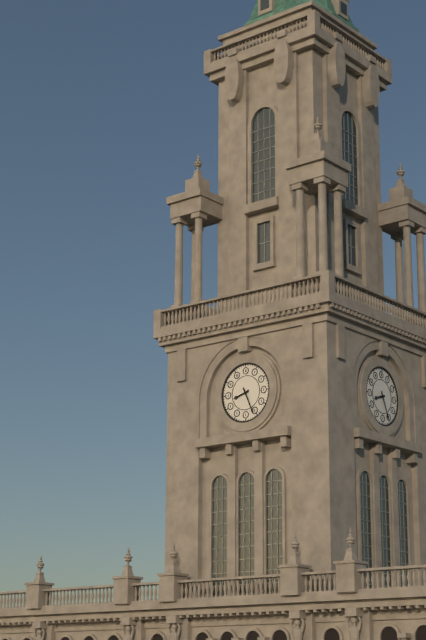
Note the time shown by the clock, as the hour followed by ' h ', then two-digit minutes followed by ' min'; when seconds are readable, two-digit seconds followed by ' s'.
8 h 26 min
